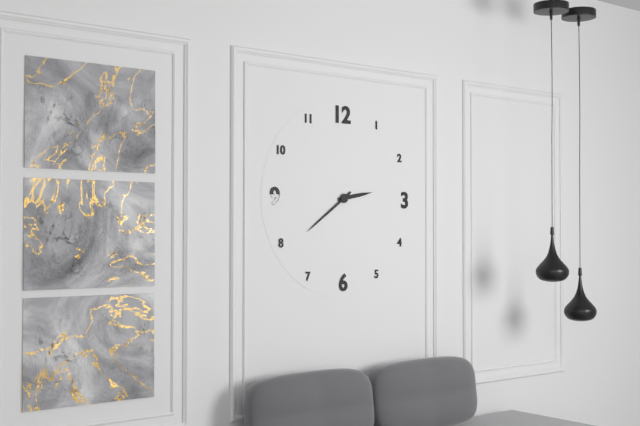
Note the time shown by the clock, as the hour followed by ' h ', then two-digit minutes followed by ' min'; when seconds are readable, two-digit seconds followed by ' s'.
2 h 39 min
